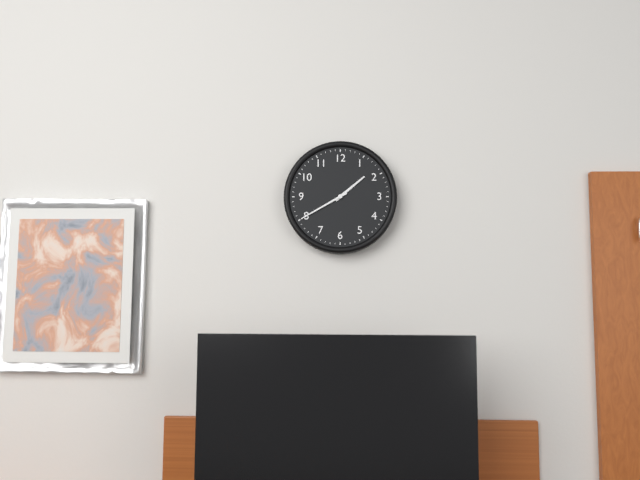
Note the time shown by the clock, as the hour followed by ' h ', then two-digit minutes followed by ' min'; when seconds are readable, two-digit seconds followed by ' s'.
1 h 40 min
